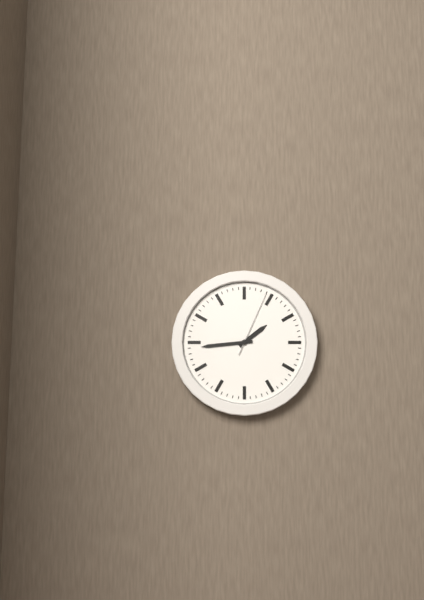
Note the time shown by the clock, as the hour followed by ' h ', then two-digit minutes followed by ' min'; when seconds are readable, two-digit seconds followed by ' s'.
1 h 44 min 04 s
